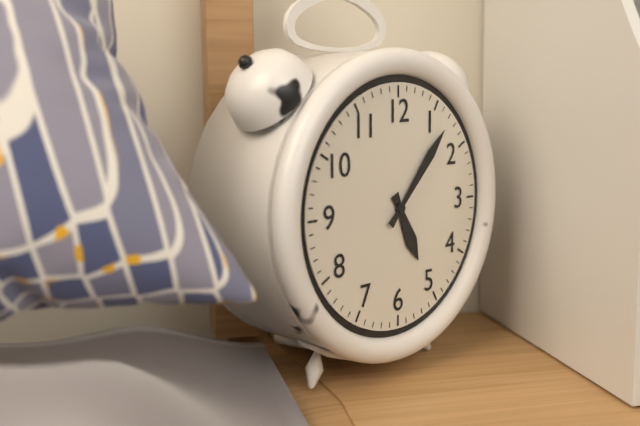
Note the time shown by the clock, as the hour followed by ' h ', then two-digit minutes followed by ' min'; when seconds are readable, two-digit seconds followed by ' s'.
5 h 07 min
